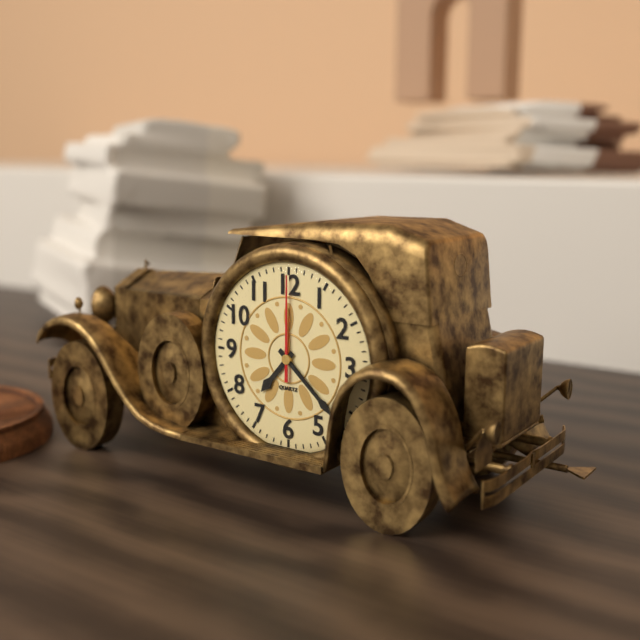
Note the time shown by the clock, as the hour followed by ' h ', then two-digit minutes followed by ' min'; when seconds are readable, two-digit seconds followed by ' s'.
7 h 22 min 00 s
